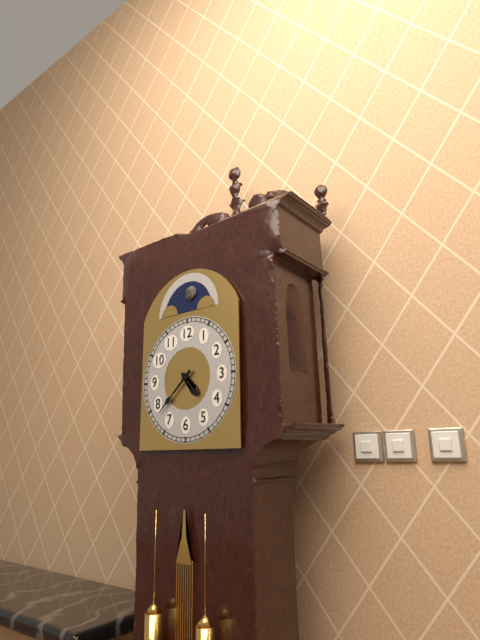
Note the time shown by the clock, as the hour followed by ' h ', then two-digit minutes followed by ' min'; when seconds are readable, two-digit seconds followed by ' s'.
4 h 38 min
